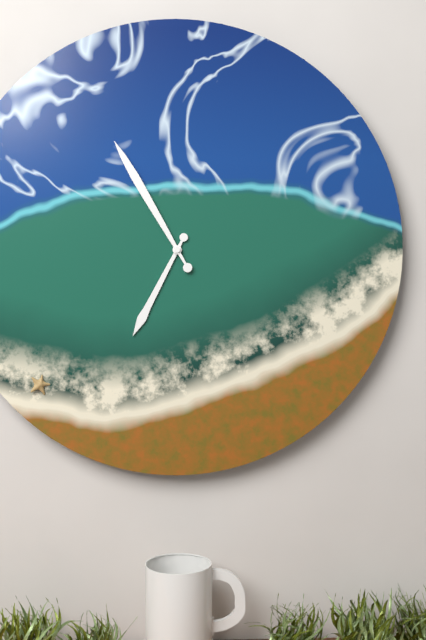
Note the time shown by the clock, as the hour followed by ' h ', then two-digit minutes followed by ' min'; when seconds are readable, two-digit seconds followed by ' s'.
6 h 55 min
